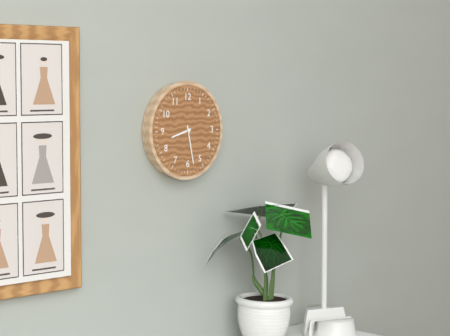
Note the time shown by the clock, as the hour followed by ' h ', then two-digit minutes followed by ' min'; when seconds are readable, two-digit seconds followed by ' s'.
8 h 28 min
